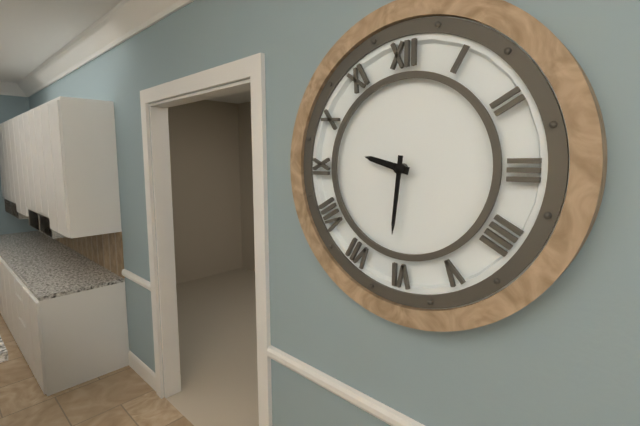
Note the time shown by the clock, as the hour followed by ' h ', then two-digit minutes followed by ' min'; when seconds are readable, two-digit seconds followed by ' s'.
9 h 31 min
